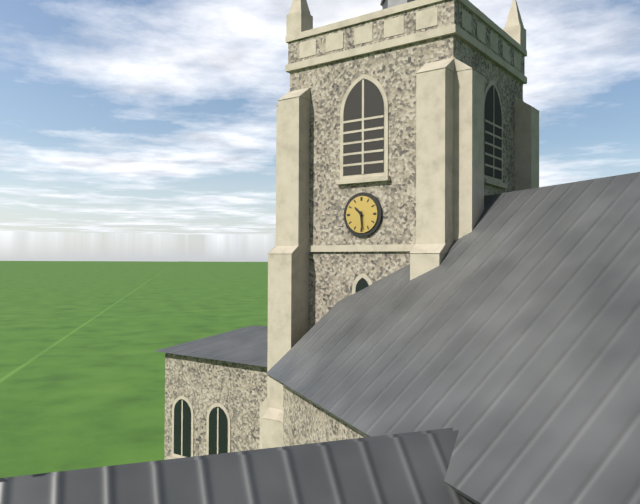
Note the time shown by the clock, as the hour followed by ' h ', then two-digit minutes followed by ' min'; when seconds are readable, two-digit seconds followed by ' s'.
10 h 29 min
